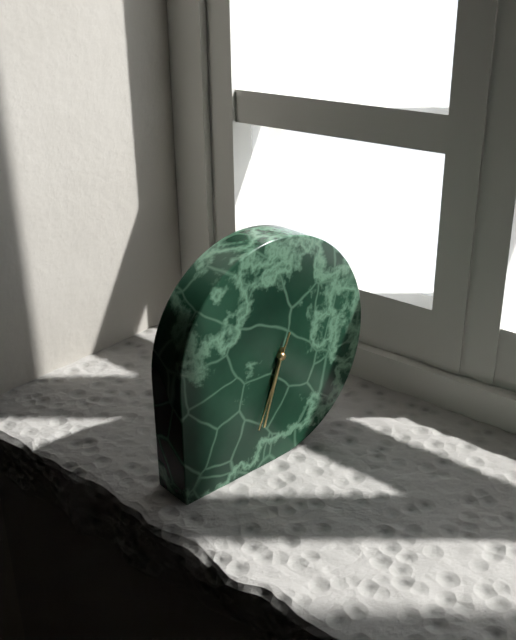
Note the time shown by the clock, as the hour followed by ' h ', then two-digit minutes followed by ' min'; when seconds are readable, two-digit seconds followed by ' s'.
6 h 33 min 34 s
